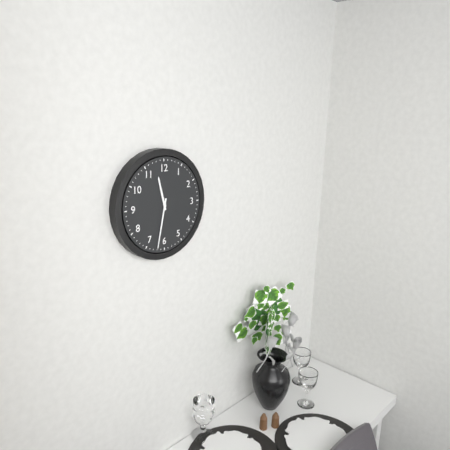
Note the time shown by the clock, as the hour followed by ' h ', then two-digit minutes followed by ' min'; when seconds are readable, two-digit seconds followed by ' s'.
11 h 32 min
